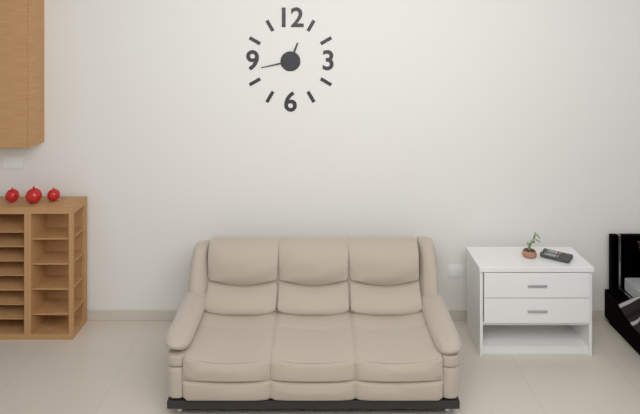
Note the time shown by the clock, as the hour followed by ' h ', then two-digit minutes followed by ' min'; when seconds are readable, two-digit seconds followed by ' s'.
12 h 43 min
